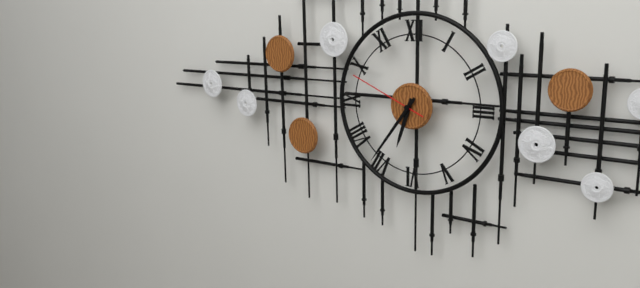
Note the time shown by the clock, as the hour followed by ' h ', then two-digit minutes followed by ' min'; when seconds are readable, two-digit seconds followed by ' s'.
6 h 36 min 49 s
